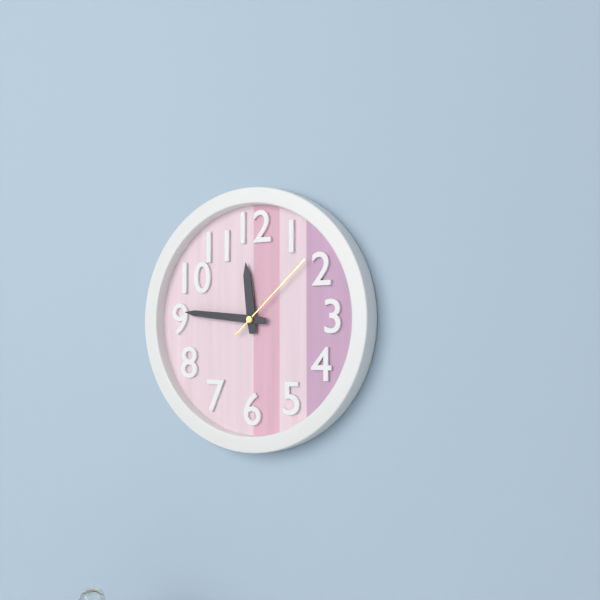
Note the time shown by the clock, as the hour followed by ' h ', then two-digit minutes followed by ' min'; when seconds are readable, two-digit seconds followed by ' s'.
11 h 46 min 08 s
